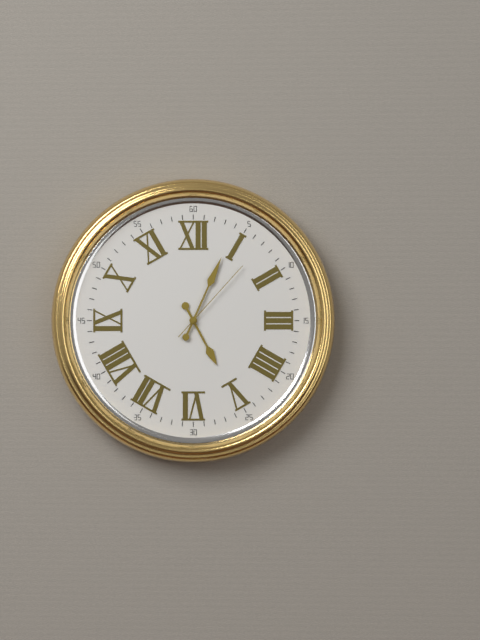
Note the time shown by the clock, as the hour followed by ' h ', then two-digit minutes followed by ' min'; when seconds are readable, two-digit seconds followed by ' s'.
5 h 04 min 07 s
